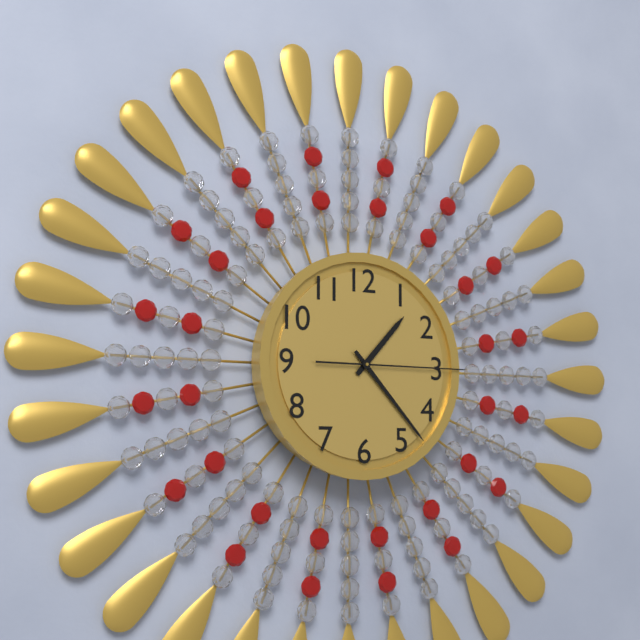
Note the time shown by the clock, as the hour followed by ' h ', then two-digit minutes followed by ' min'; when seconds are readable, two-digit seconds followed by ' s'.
1 h 23 min 15 s
